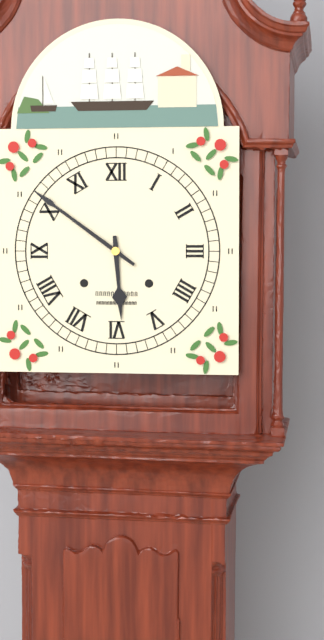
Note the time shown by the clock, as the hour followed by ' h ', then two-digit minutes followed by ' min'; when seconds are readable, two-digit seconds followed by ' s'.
5 h 51 min
